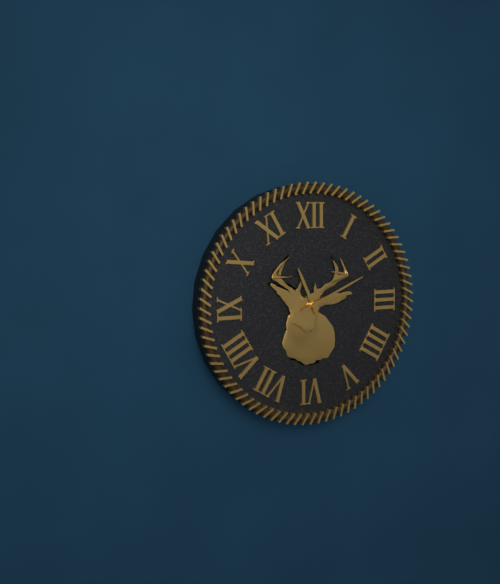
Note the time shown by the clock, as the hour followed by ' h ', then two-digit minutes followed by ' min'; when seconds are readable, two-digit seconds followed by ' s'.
11 h 11 min
